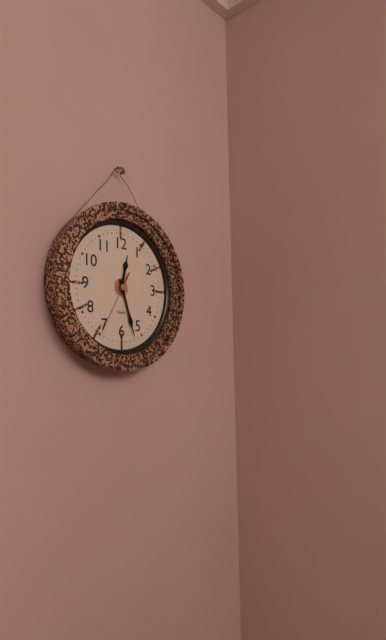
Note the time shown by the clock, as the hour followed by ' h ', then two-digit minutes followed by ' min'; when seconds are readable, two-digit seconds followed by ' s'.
12 h 27 min 35 s
